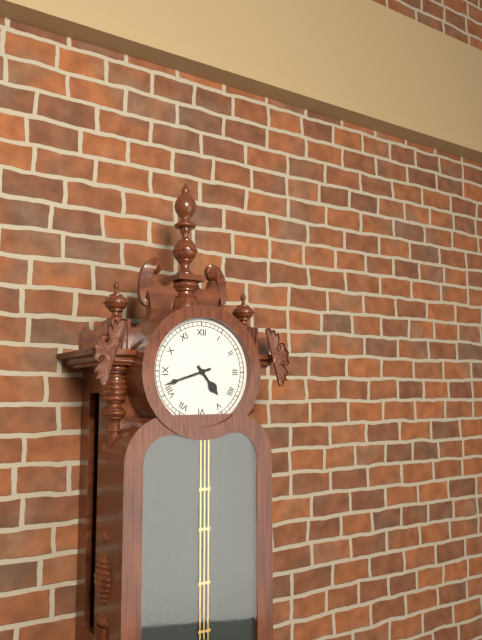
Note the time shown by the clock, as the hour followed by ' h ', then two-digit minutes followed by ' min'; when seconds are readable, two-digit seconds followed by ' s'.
4 h 42 min
